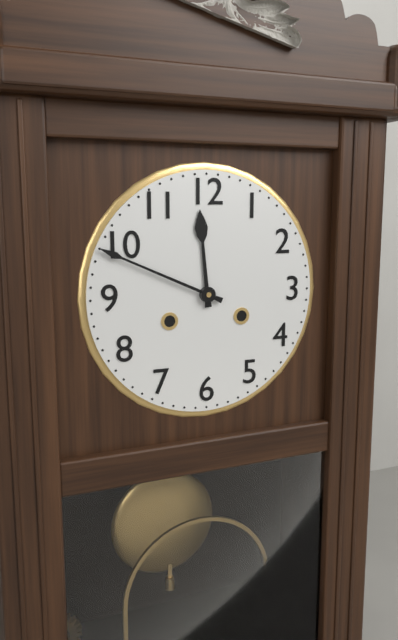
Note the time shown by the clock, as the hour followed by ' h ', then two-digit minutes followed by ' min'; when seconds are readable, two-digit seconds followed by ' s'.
11 h 49 min
